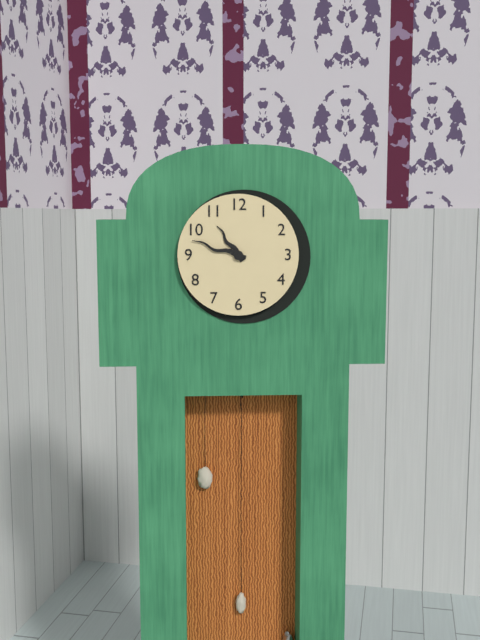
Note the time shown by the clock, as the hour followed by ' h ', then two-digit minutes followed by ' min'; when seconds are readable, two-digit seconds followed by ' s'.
10 h 48 min
